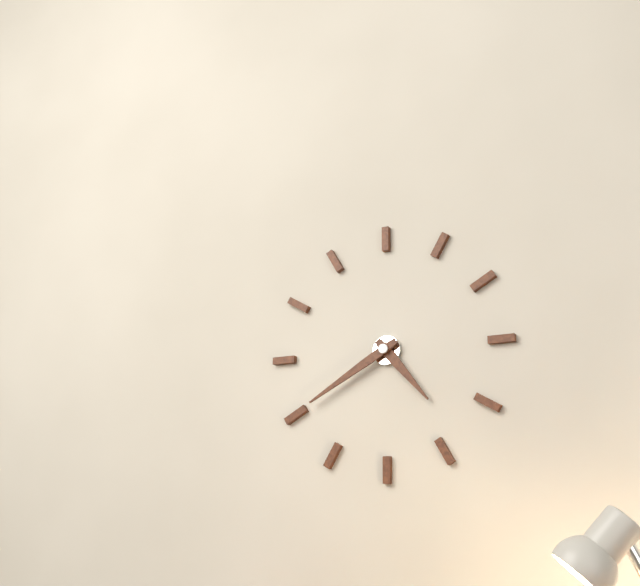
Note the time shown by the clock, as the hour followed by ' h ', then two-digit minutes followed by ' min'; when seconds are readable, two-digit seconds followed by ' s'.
4 h 40 min
